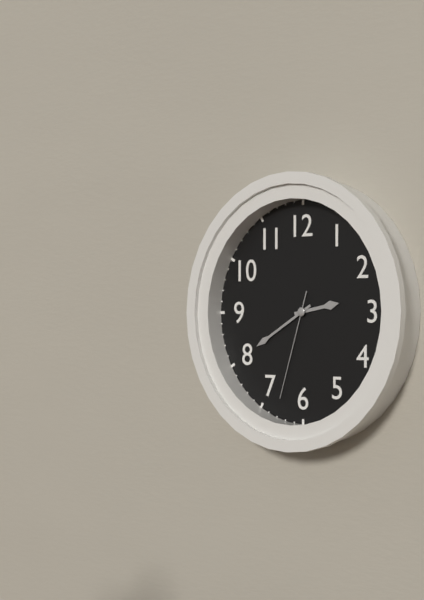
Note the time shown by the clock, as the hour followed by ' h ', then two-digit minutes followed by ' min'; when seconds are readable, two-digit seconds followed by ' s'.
2 h 40 min 33 s
